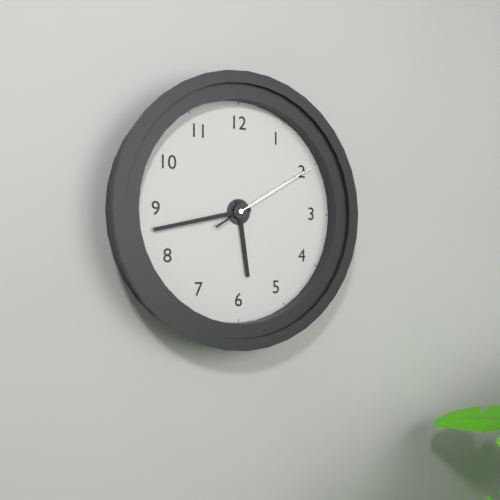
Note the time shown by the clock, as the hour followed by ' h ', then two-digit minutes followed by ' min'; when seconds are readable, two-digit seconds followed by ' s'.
5 h 43 min 10 s
